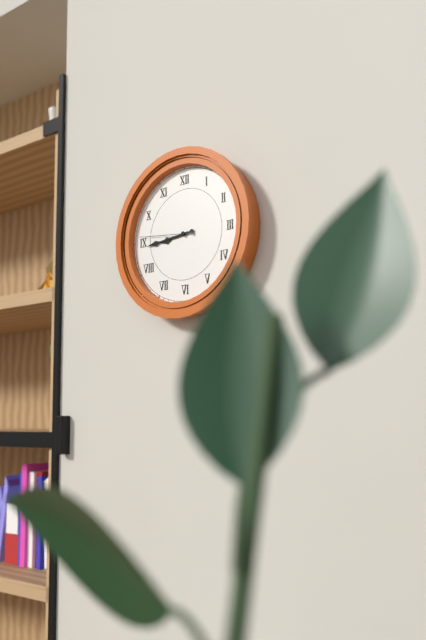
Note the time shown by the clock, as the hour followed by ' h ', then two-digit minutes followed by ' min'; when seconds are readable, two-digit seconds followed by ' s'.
8 h 44 min 46 s
